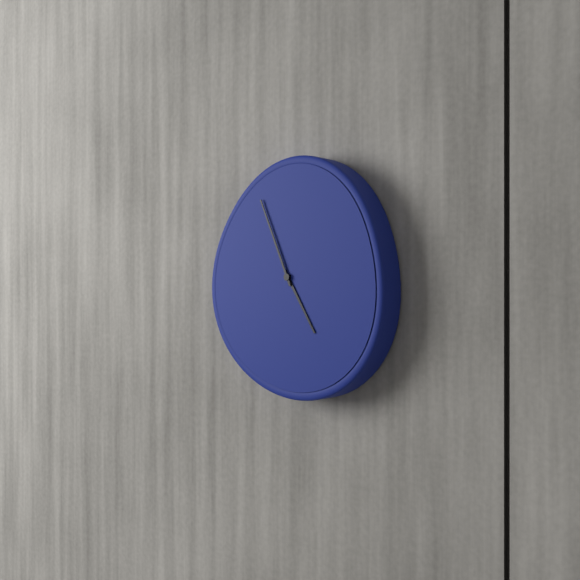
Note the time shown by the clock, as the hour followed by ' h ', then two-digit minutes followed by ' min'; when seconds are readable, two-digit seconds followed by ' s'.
4 h 56 min
